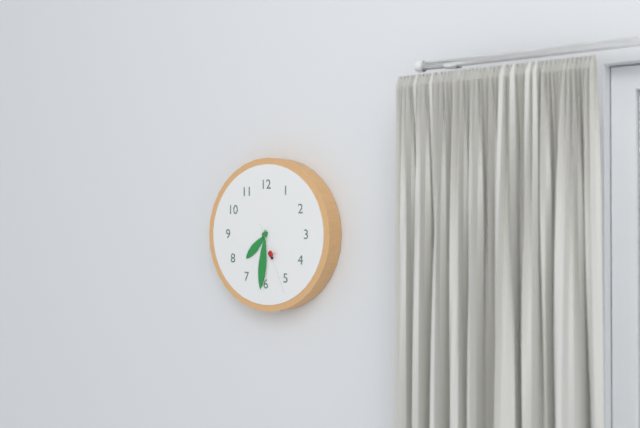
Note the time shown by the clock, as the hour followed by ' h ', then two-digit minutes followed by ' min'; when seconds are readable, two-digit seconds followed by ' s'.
7 h 31 min 26 s
